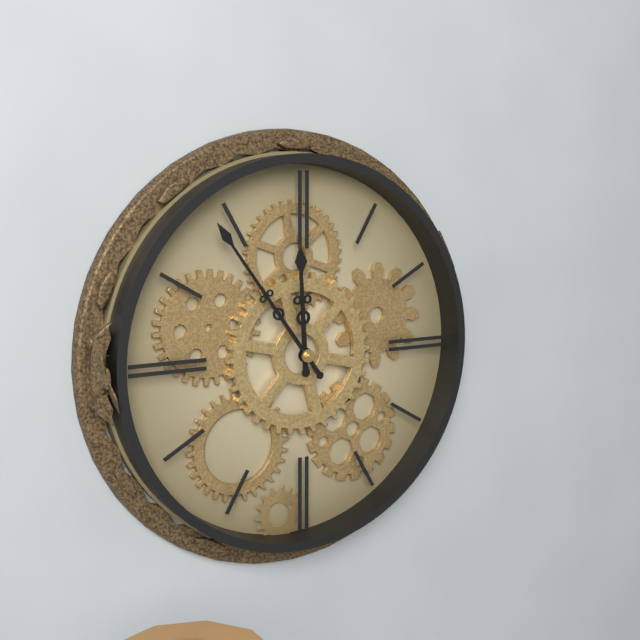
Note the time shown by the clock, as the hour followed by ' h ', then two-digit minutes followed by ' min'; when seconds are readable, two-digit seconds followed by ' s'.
11 h 54 min
